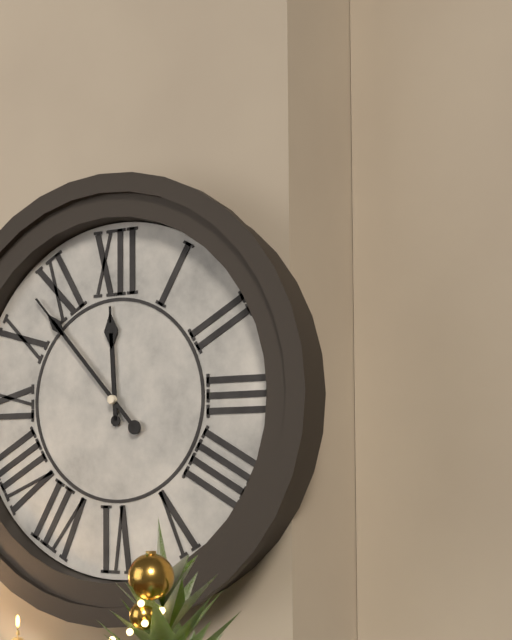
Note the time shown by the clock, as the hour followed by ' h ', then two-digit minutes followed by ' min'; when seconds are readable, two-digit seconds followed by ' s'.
11 h 53 min
